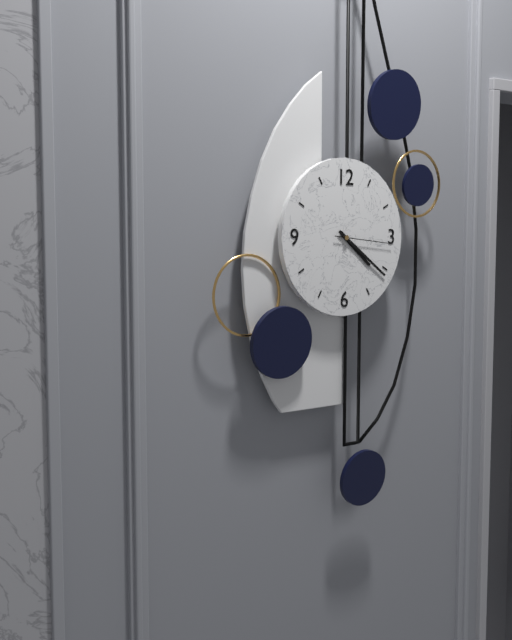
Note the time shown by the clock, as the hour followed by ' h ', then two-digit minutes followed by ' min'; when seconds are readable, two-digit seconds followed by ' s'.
4 h 21 min 16 s
